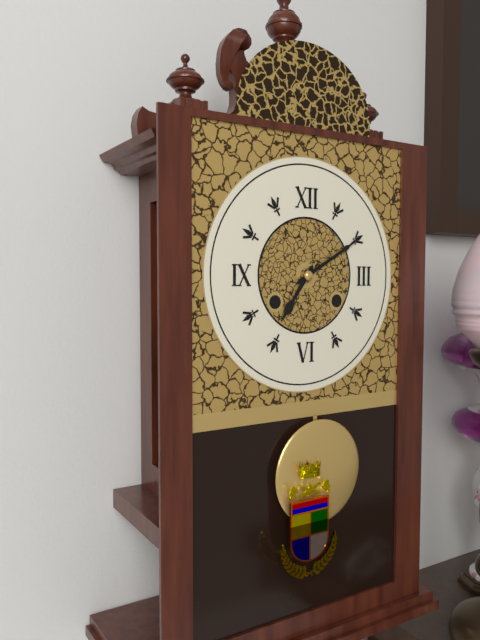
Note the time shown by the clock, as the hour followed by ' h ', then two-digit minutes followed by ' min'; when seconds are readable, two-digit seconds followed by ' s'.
7 h 10 min
